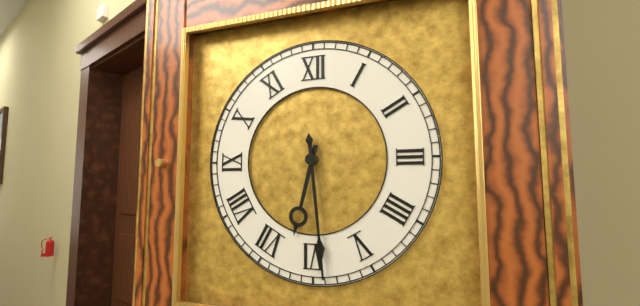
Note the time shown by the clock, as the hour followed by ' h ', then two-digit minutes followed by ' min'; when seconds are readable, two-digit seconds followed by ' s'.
6 h 29 min
